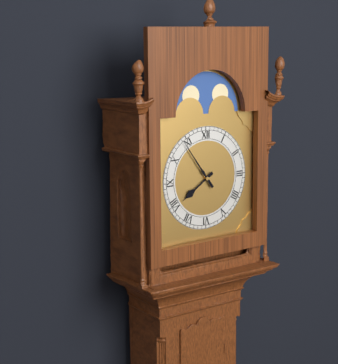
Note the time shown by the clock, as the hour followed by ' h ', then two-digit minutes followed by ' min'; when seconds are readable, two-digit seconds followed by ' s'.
7 h 54 min
